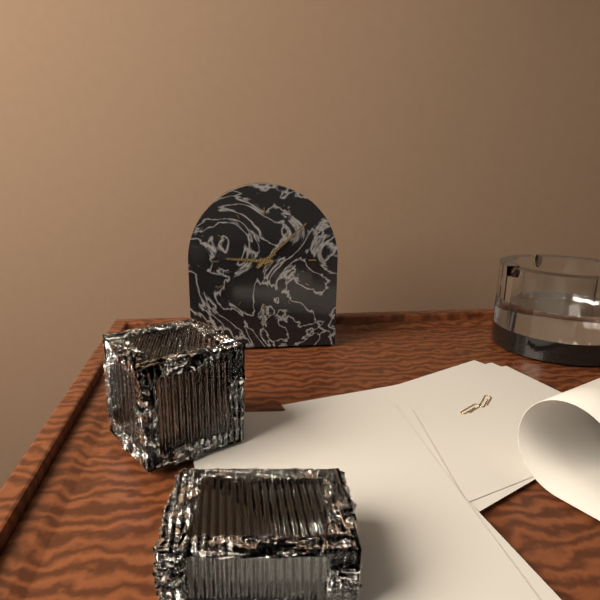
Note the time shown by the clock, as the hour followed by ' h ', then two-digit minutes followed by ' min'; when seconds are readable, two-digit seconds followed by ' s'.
9 h 08 min
